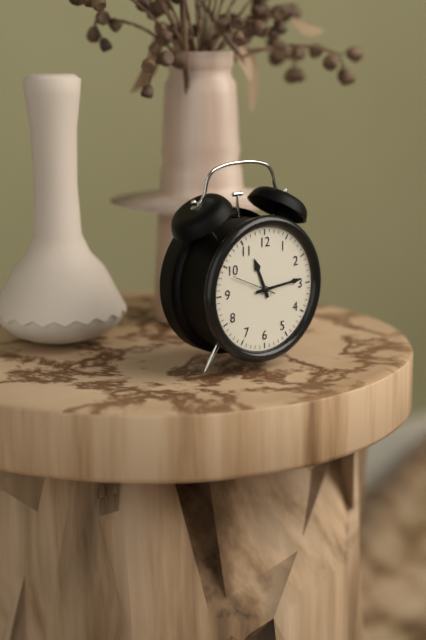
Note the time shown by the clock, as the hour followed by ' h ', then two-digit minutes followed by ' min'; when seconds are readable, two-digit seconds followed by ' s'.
11 h 14 min
